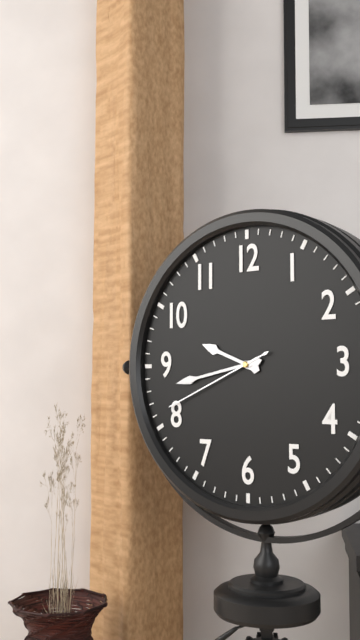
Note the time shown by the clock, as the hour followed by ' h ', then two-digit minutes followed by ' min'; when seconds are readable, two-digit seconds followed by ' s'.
9 h 43 min 41 s
